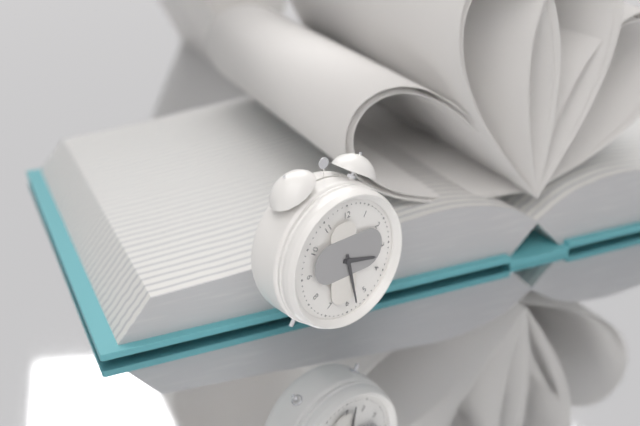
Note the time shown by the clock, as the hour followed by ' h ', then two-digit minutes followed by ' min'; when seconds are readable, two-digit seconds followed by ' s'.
3 h 28 min
